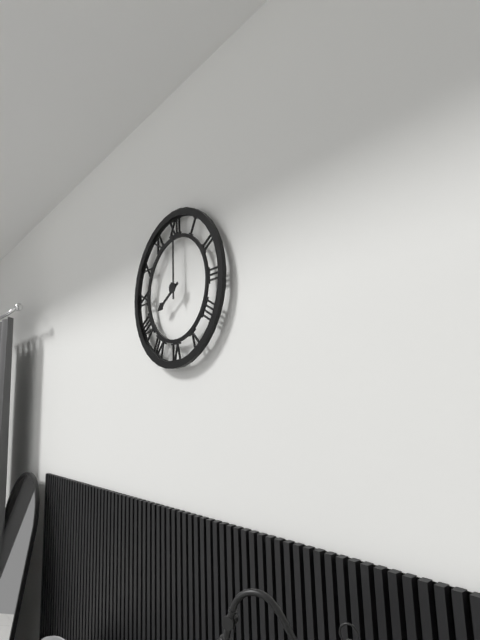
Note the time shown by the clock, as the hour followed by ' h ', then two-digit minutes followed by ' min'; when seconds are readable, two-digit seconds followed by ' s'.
8 h 00 min
